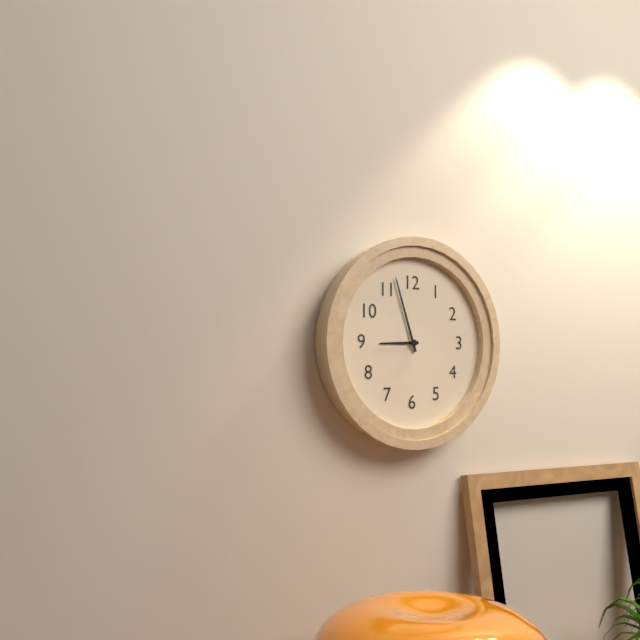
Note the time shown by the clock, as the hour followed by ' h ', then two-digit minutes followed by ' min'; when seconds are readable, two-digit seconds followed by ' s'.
8 h 57 min
